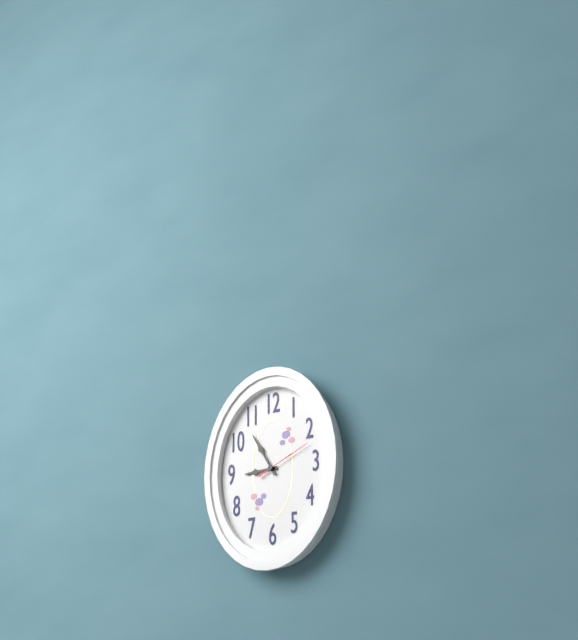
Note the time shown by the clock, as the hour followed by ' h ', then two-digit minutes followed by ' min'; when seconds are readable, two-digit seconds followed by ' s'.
8 h 55 min 11 s
